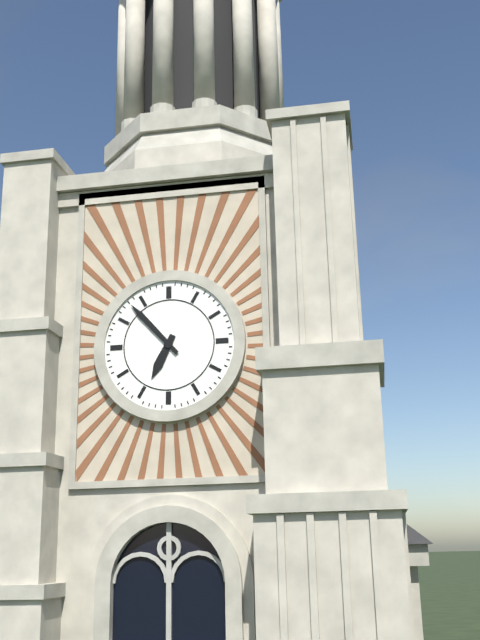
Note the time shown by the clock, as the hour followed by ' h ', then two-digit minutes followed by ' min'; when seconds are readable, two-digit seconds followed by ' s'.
6 h 53 min
